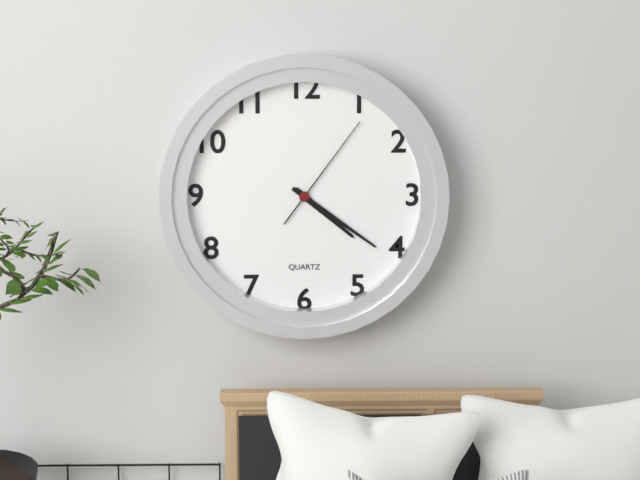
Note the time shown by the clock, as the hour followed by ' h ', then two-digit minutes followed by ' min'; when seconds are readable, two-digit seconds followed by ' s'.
4 h 21 min 06 s
